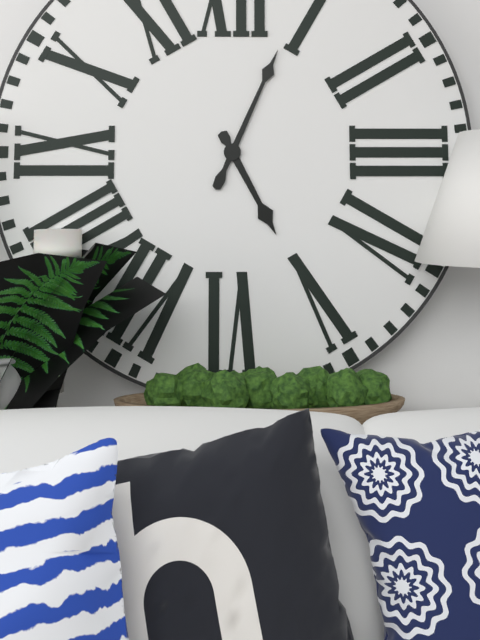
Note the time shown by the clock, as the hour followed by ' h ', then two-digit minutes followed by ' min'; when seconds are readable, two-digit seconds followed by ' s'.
5 h 04 min
